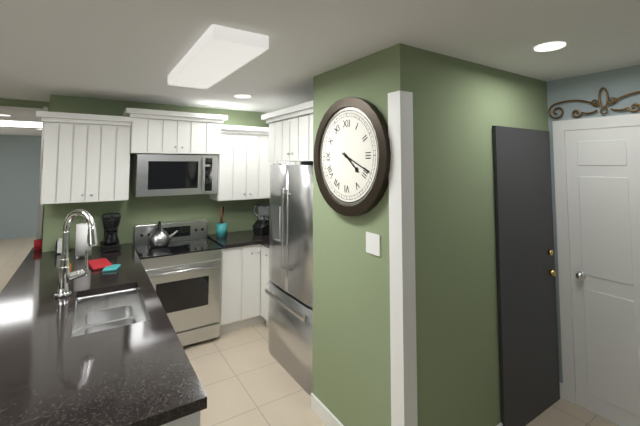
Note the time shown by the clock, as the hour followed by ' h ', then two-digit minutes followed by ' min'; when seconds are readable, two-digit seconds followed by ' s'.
4 h 19 min
